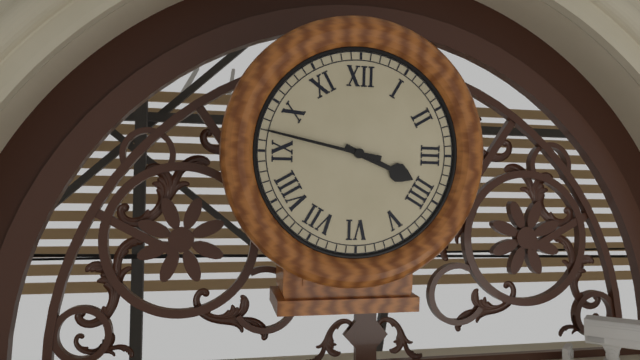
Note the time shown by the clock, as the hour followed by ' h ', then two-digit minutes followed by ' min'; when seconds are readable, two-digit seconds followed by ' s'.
3 h 47 min
